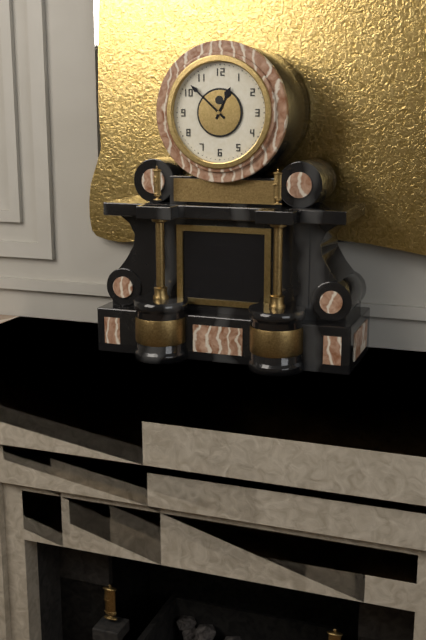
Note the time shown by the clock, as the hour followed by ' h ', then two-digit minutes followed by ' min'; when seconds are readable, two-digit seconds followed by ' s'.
12 h 52 min
